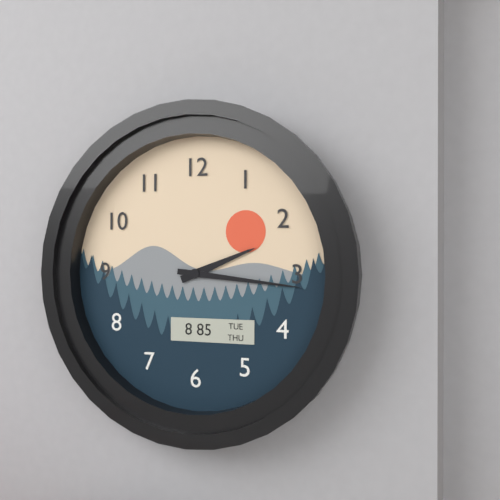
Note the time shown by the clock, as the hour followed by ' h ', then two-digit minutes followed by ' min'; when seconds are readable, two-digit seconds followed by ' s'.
2 h 16 min
